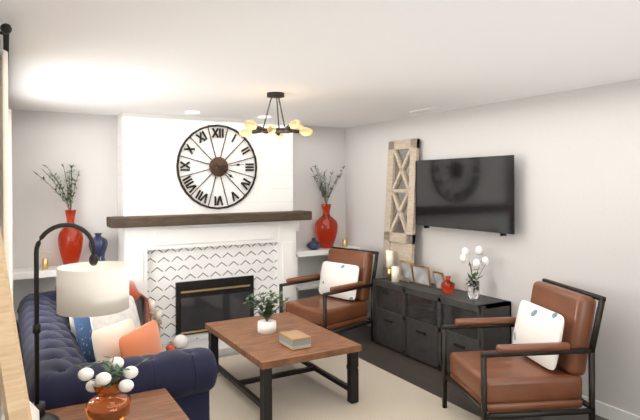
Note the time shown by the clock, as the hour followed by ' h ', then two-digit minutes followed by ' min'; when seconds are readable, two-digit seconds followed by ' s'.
4 h 14 min
